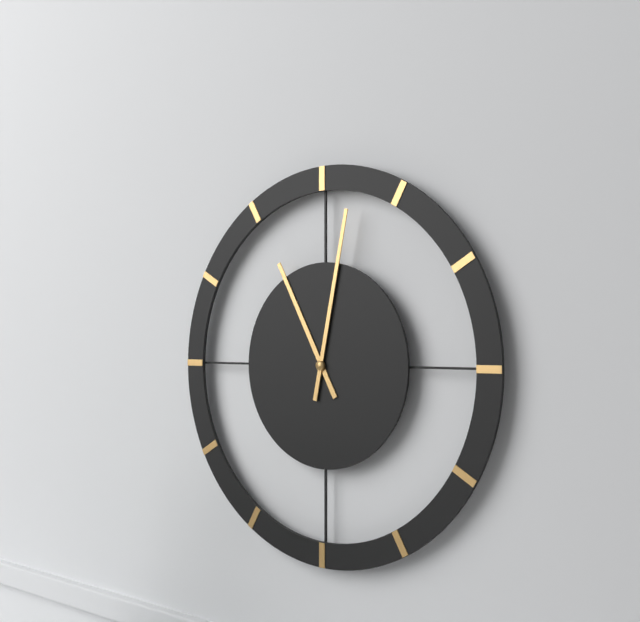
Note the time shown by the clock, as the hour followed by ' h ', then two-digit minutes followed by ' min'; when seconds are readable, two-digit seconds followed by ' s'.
11 h 02 min
